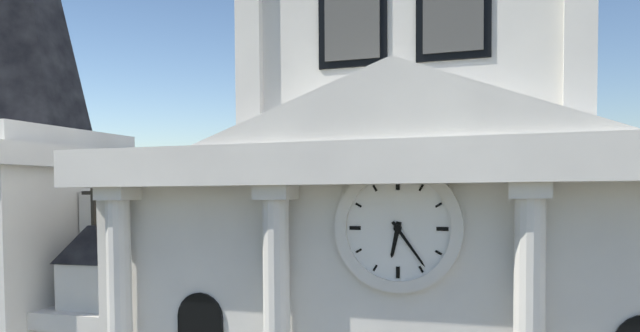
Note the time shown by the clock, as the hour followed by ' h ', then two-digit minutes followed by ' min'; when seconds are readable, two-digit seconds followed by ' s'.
6 h 24 min
